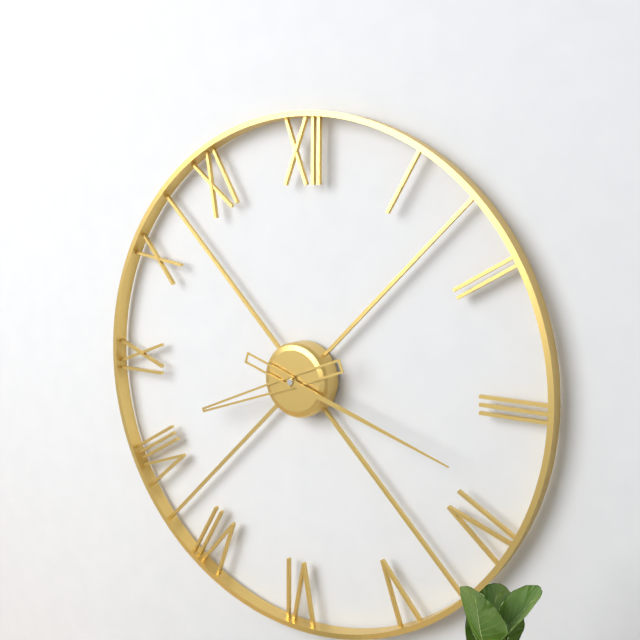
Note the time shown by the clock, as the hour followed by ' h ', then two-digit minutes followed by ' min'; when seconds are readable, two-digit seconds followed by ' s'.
8 h 18 min
